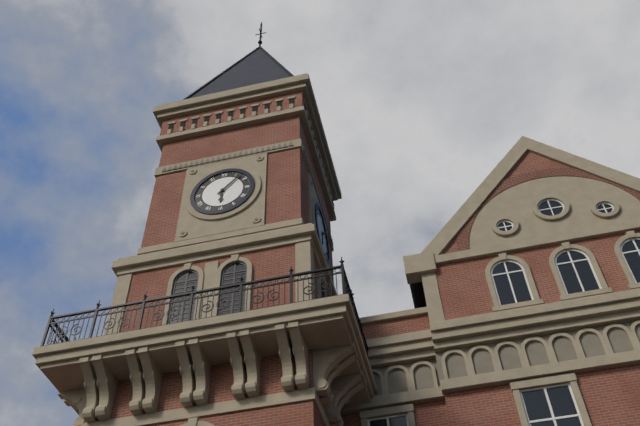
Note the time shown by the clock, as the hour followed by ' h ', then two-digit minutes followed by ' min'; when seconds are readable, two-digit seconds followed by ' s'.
6 h 07 min
